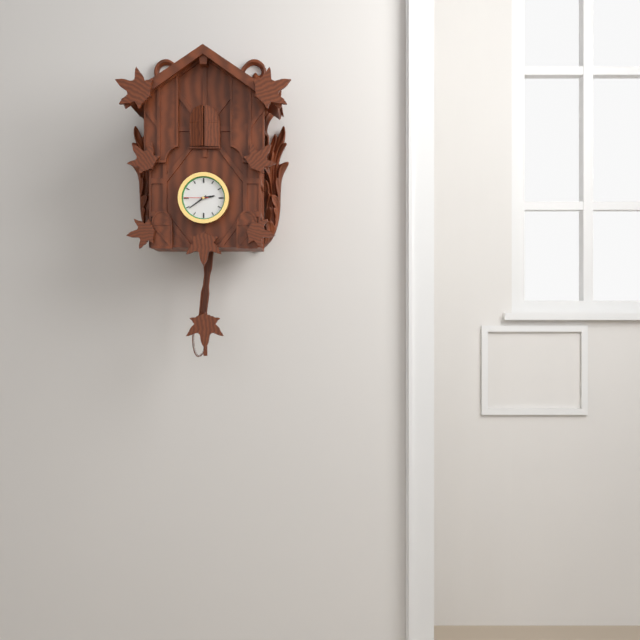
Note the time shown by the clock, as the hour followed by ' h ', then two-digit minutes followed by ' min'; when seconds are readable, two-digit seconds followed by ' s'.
2 h 39 min
